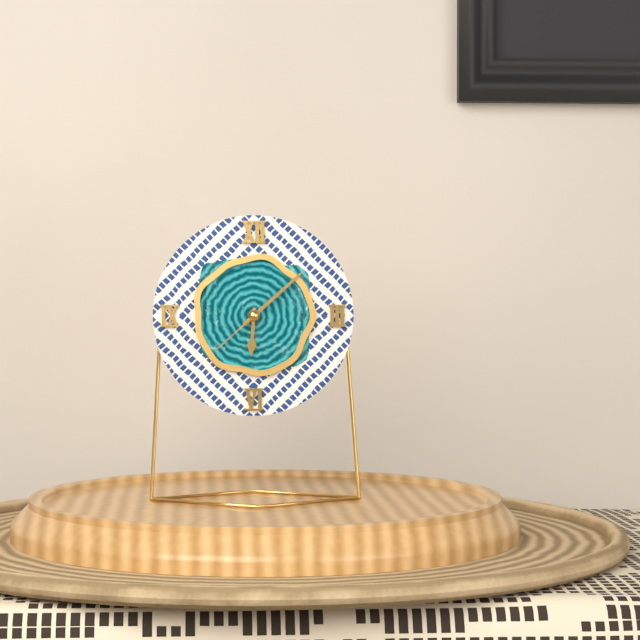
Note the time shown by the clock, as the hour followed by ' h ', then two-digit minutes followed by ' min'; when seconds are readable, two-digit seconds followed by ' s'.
6 h 08 min 38 s
